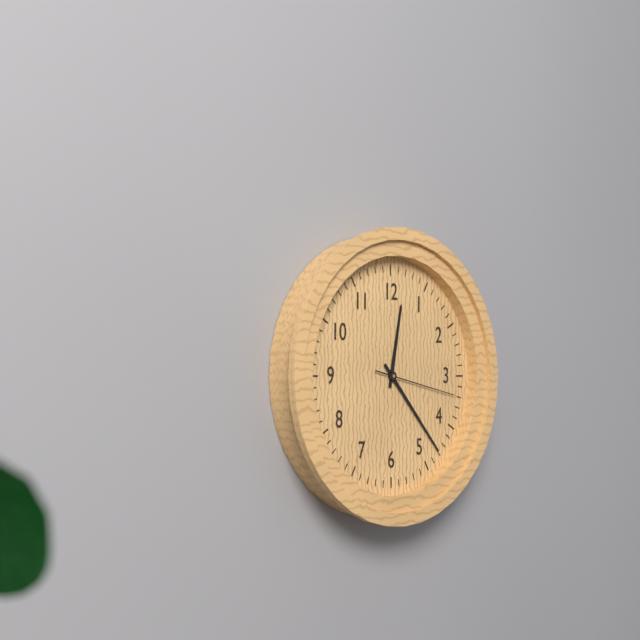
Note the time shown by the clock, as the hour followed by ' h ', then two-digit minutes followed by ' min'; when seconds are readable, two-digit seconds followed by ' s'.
12 h 23 min 17 s
